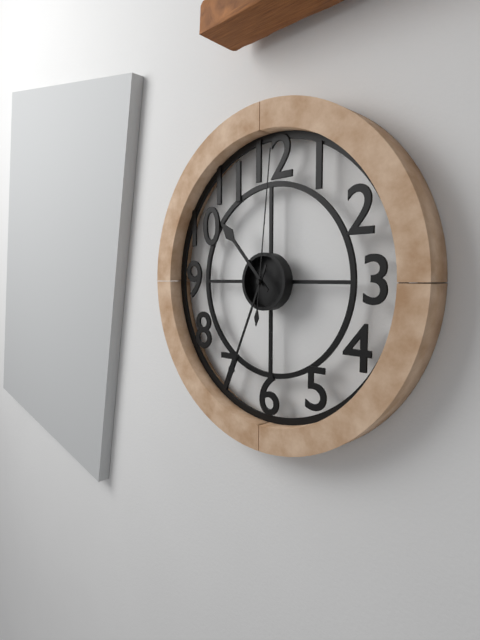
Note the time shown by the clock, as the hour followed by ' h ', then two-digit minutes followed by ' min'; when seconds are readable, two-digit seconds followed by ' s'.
10 h 34 min 01 s
